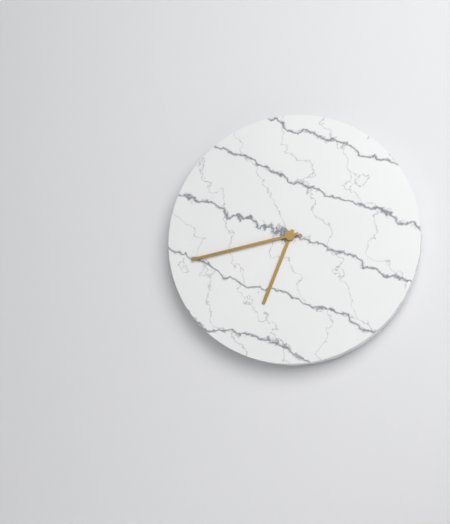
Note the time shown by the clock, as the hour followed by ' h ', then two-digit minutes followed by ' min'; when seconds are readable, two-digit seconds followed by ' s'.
6 h 43 min
